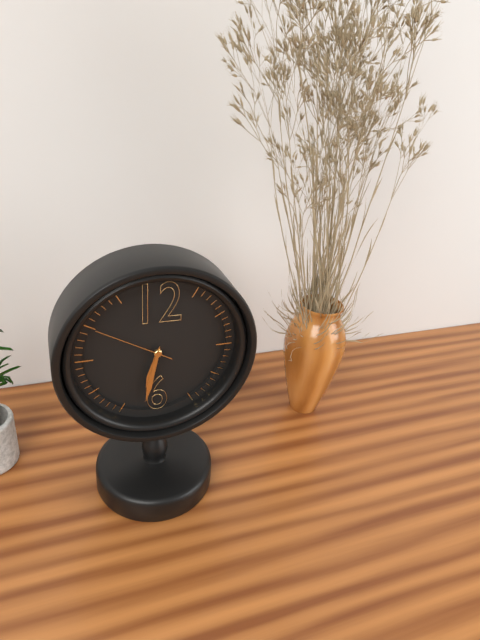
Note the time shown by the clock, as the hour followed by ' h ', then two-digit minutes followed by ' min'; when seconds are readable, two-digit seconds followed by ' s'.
6 h 32 min 50 s
